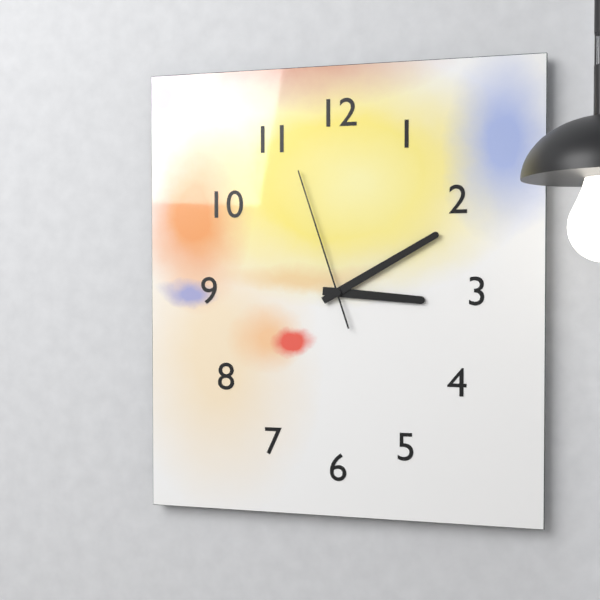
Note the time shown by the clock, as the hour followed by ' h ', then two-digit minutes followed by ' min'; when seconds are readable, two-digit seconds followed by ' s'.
3 h 10 min 57 s
